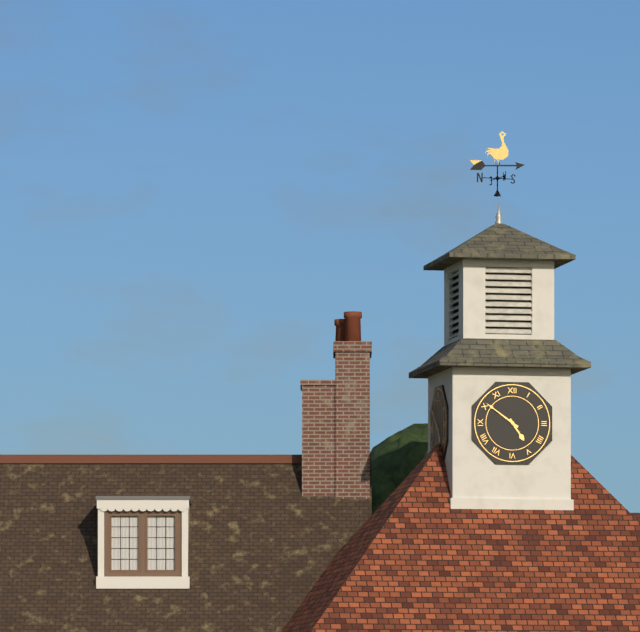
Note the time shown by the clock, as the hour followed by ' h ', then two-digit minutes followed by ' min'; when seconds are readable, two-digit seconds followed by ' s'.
4 h 51 min
